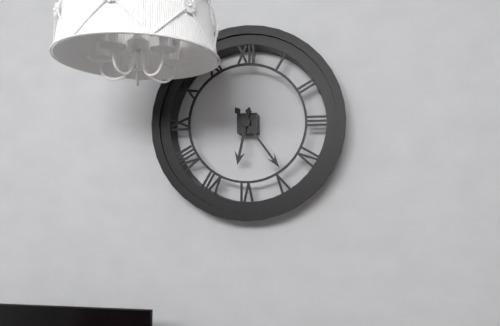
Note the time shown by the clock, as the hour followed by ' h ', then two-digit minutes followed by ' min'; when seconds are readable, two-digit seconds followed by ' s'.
6 h 24 min
